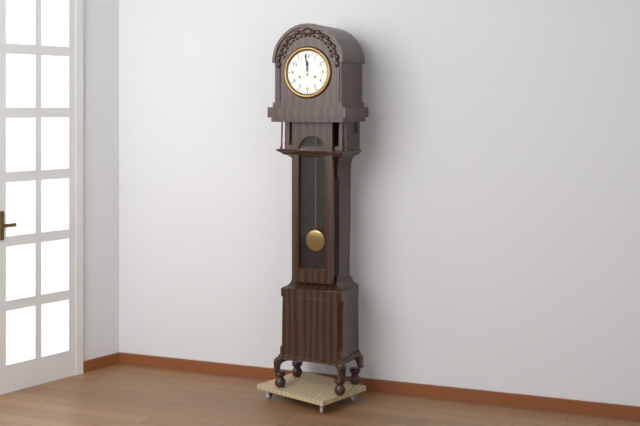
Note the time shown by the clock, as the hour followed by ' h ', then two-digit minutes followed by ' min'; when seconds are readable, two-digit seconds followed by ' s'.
11 h 59 min
